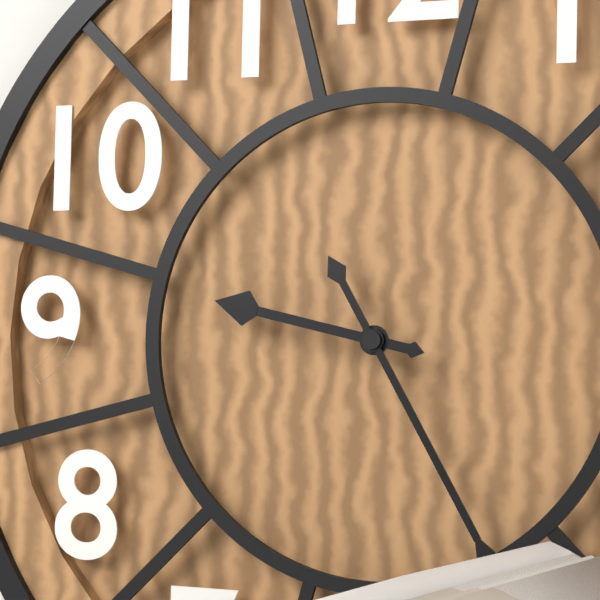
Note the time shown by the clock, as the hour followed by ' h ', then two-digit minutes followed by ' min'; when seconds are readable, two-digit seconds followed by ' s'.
9 h 25 min
